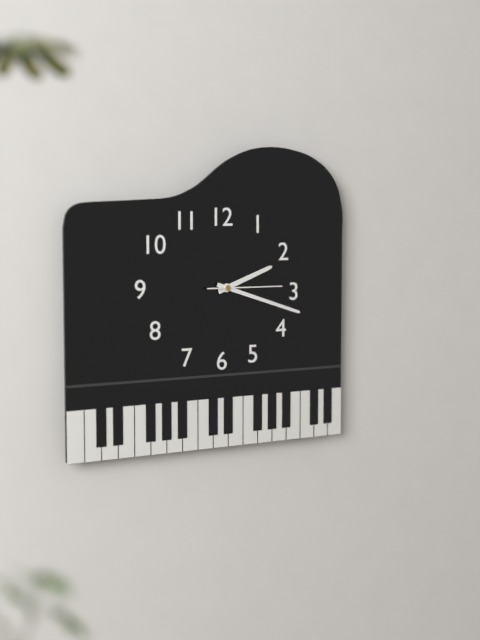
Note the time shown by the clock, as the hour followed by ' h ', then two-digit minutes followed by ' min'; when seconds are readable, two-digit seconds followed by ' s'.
2 h 18 min 15 s
